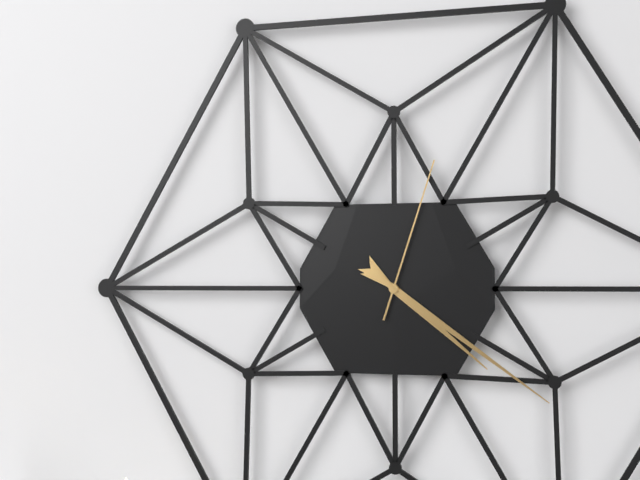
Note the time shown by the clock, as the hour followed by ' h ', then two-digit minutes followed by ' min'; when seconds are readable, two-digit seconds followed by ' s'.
4 h 21 min 03 s
